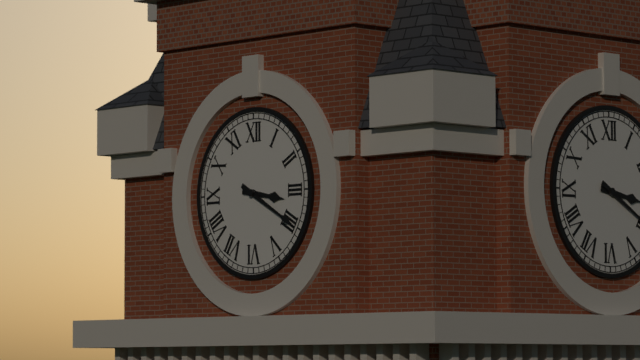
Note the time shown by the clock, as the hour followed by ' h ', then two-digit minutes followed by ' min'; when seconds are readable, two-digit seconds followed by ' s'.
3 h 20 min
